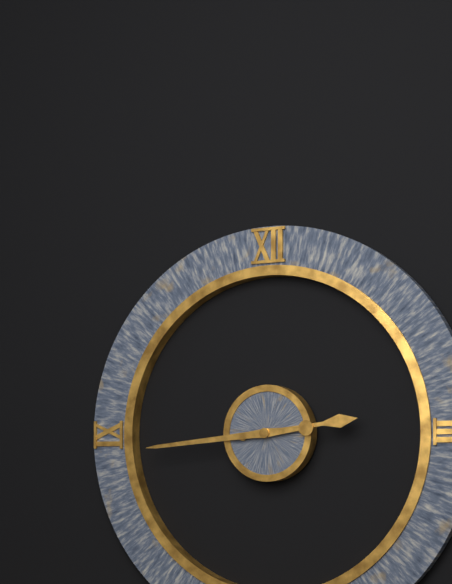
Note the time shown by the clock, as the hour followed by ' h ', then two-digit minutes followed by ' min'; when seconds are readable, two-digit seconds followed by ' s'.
2 h 44 min
